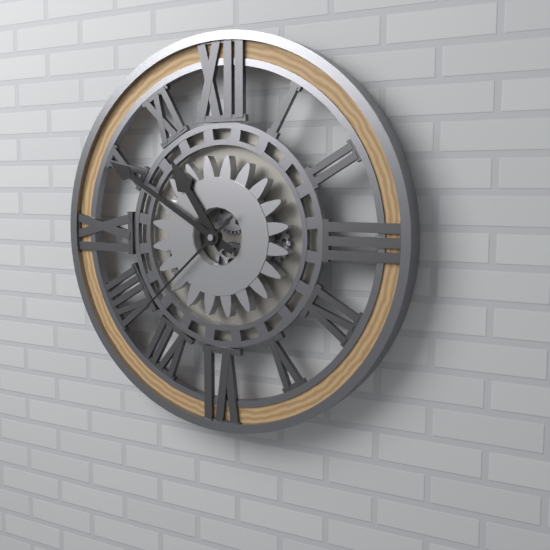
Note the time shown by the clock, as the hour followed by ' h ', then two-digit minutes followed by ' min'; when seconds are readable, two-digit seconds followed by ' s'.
10 h 50 min 38 s
